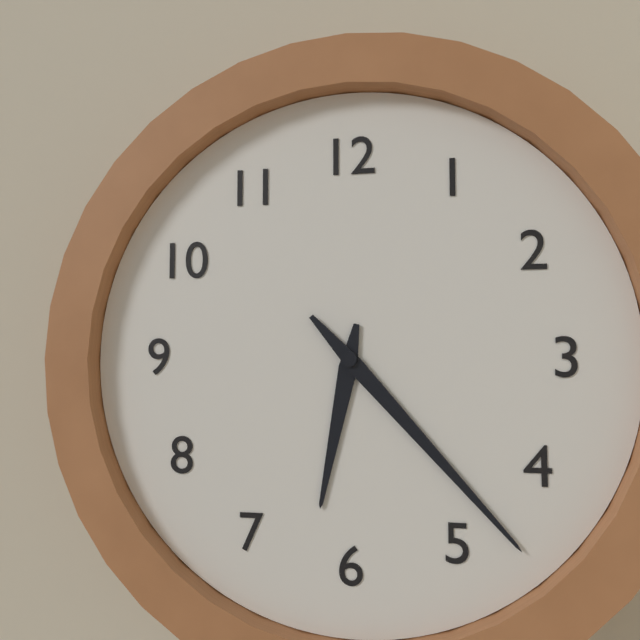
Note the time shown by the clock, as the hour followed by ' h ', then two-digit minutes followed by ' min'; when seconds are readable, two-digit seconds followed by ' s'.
6 h 23 min
